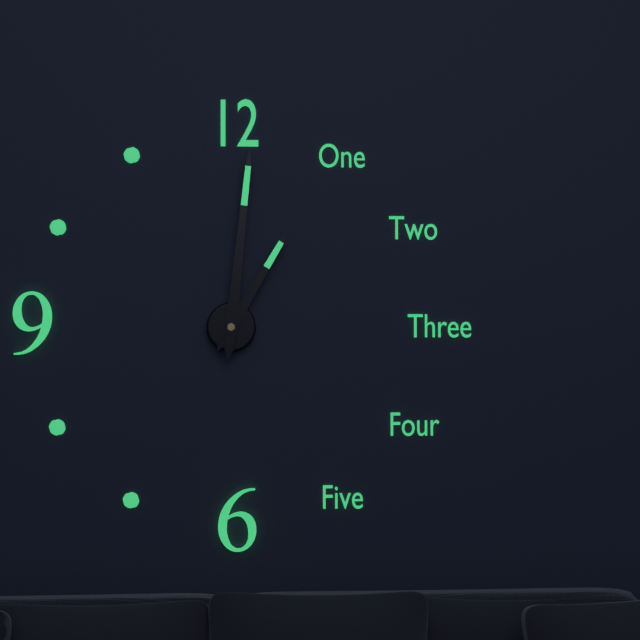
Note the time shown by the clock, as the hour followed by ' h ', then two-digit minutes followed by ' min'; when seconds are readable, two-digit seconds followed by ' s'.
1 h 01 min
